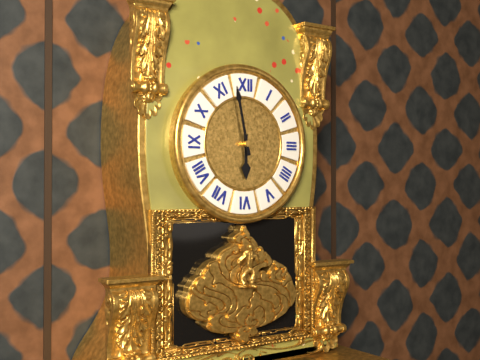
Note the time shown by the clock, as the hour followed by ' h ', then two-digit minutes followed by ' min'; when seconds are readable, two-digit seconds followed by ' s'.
5 h 58 min
